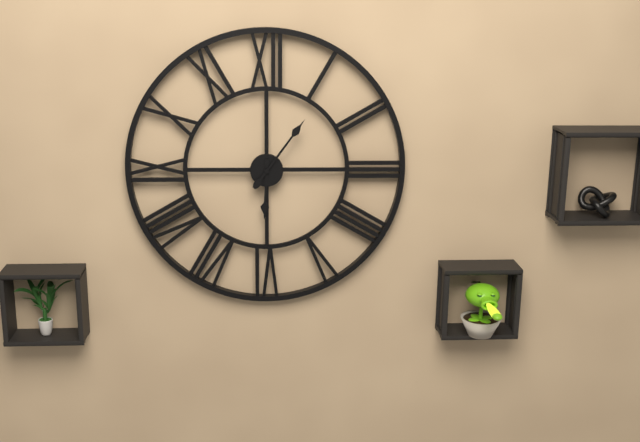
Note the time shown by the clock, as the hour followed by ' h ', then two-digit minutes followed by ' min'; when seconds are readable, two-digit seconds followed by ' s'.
6 h 06 min
